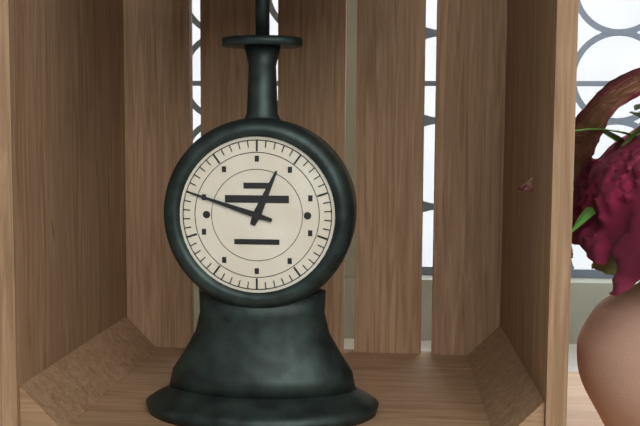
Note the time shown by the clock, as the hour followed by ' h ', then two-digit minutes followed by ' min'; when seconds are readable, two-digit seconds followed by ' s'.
12 h 48 min
